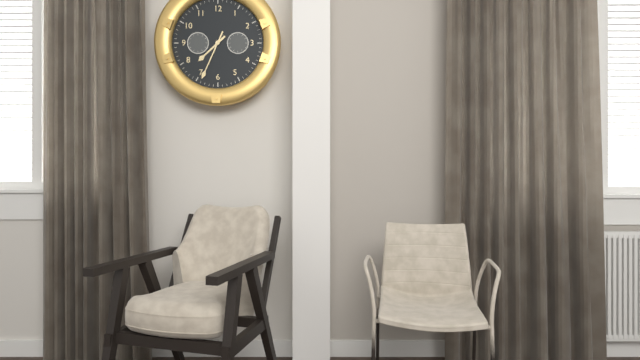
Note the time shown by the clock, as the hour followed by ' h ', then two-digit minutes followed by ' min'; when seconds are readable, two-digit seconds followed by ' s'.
7 h 34 min
